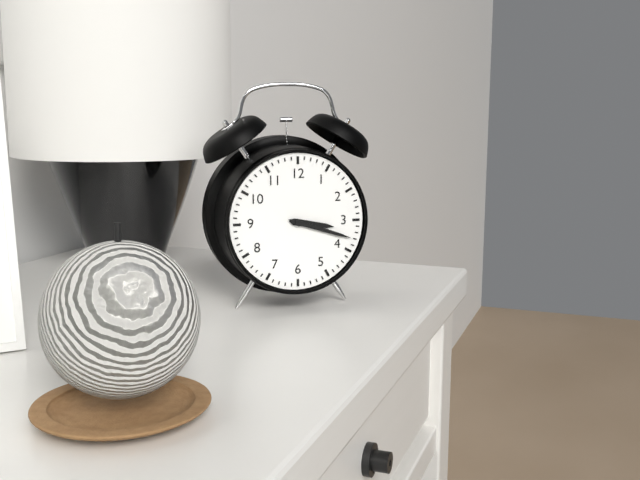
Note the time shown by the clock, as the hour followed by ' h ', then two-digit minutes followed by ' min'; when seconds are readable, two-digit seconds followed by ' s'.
3 h 18 min
